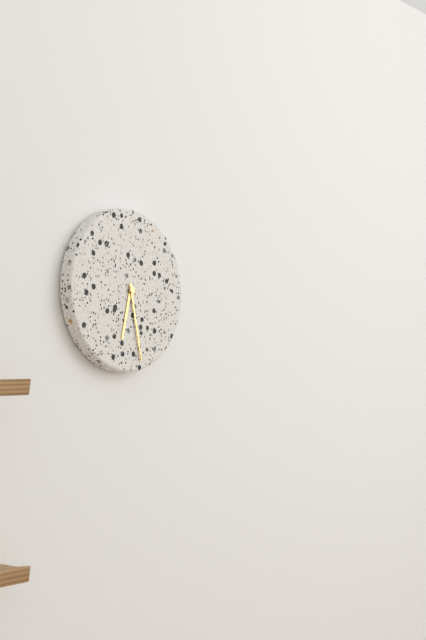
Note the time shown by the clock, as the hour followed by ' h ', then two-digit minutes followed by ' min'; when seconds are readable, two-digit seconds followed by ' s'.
6 h 28 min
